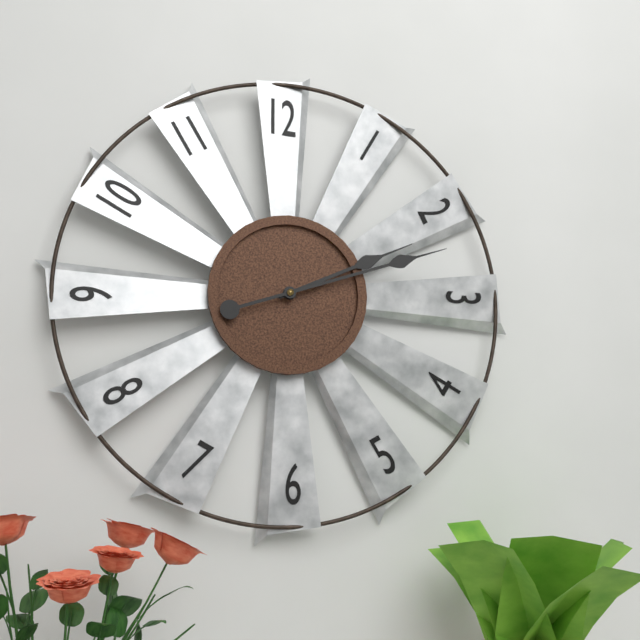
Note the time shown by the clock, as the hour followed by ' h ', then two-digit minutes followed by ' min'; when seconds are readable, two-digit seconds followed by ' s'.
2 h 12 min
